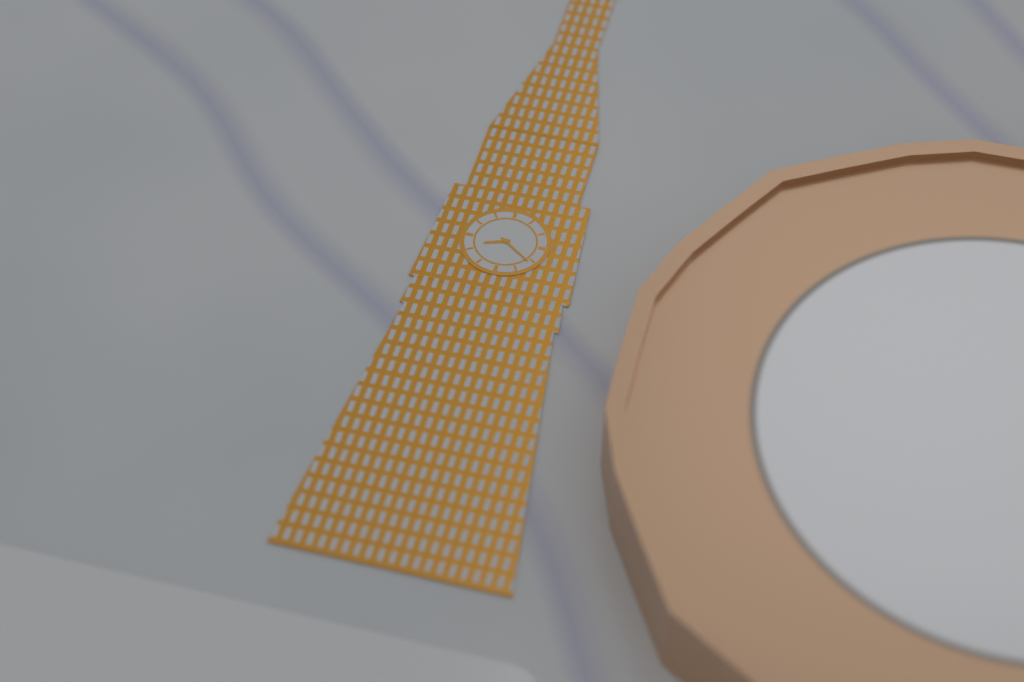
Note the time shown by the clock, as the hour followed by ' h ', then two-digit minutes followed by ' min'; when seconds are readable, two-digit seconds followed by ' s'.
8 h 21 min
